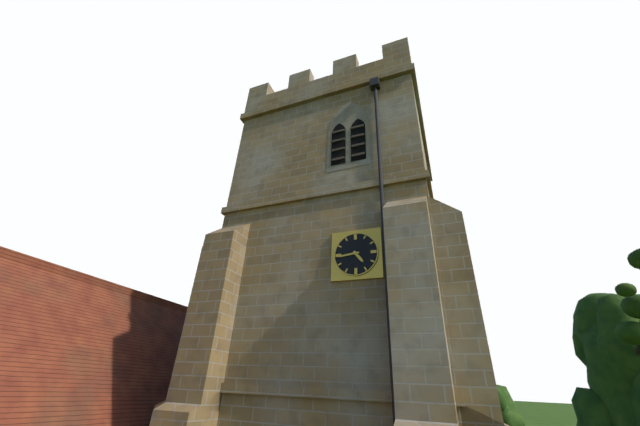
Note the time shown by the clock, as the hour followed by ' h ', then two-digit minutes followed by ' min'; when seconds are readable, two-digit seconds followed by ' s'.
4 h 44 min
